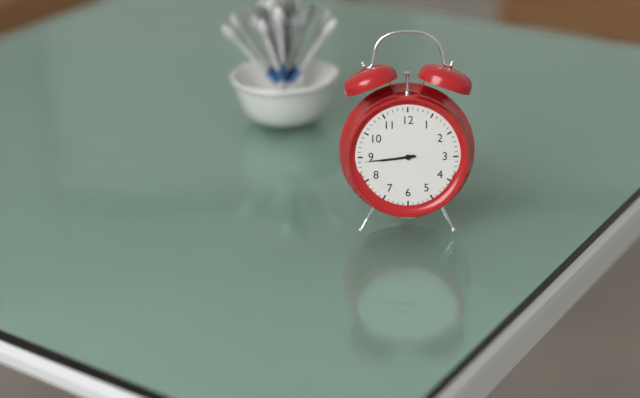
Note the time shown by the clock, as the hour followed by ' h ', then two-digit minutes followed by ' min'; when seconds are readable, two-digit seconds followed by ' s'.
8 h 44 min
